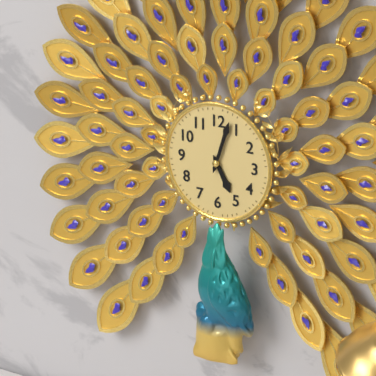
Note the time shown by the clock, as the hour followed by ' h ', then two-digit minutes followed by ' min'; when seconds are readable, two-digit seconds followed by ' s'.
5 h 03 min
